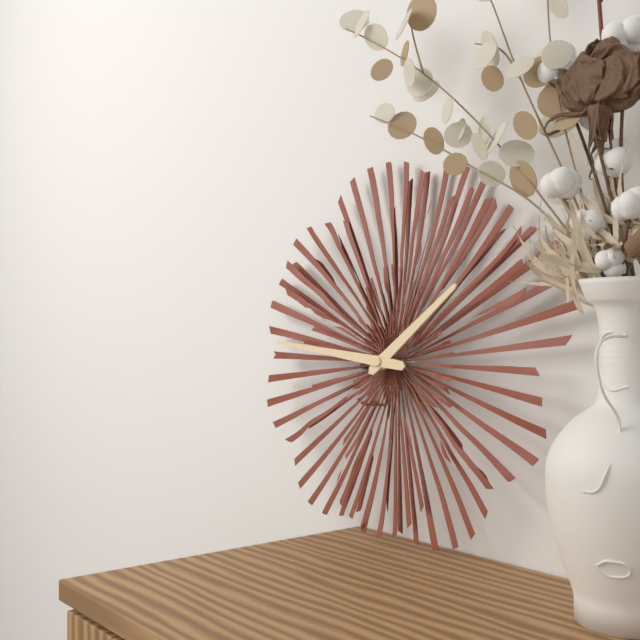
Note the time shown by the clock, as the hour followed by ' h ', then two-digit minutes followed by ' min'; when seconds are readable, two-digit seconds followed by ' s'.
1 h 46 min
